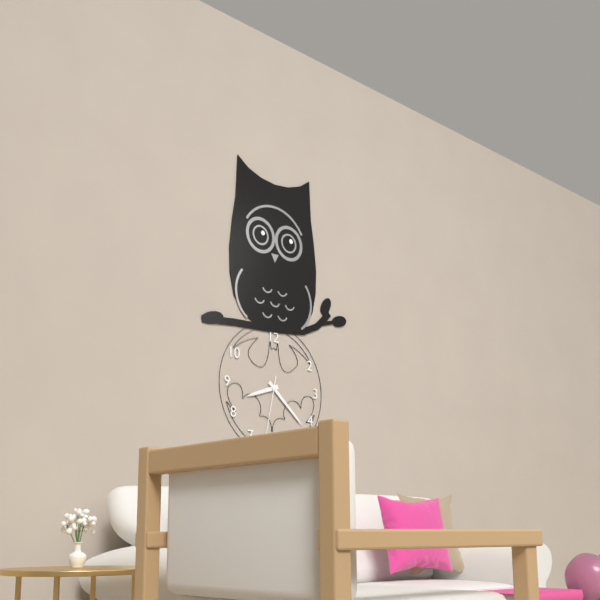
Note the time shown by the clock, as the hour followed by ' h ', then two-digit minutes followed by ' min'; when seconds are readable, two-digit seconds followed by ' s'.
8 h 22 min 32 s
